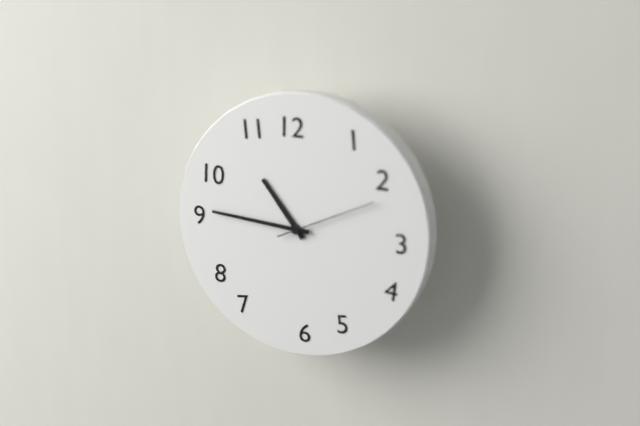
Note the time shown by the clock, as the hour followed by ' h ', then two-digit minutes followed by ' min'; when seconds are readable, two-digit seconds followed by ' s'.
10 h 46 min 11 s
